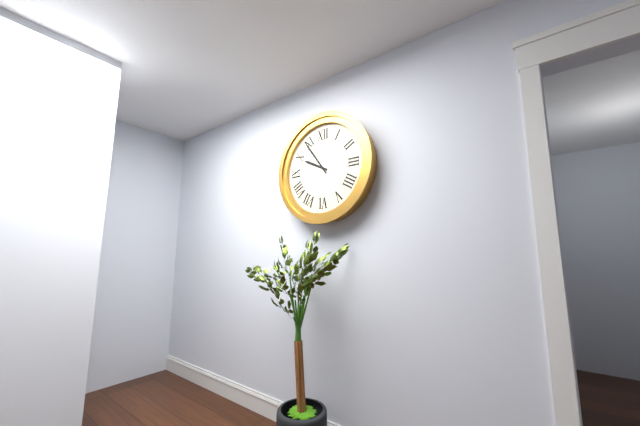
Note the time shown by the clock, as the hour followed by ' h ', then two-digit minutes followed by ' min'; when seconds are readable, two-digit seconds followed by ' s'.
9 h 54 min
